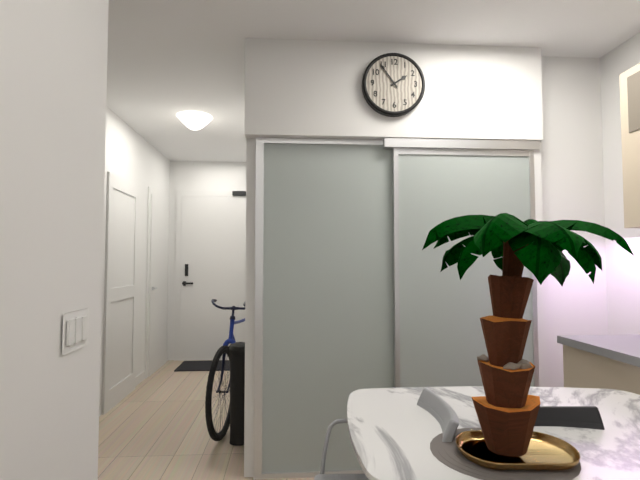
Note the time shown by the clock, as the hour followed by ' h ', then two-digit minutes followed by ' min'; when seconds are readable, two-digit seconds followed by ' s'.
1 h 54 min
